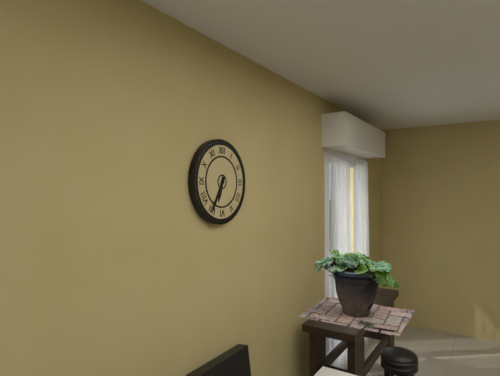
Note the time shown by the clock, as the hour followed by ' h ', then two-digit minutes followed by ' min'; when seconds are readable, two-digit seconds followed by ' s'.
6 h 35 min
